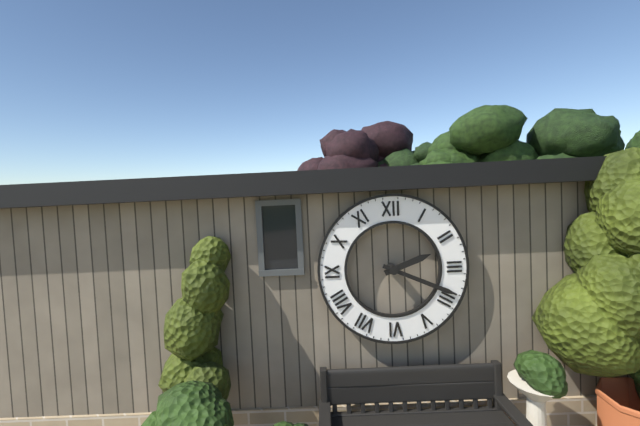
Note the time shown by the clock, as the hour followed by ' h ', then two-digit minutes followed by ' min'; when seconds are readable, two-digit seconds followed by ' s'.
2 h 19 min
